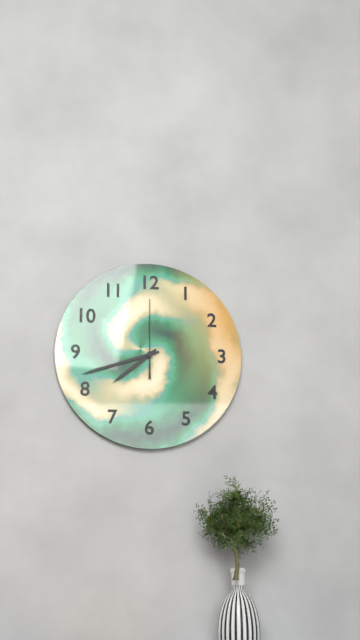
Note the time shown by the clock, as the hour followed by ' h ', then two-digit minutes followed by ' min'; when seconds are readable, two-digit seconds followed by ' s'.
7 h 42 min 00 s
